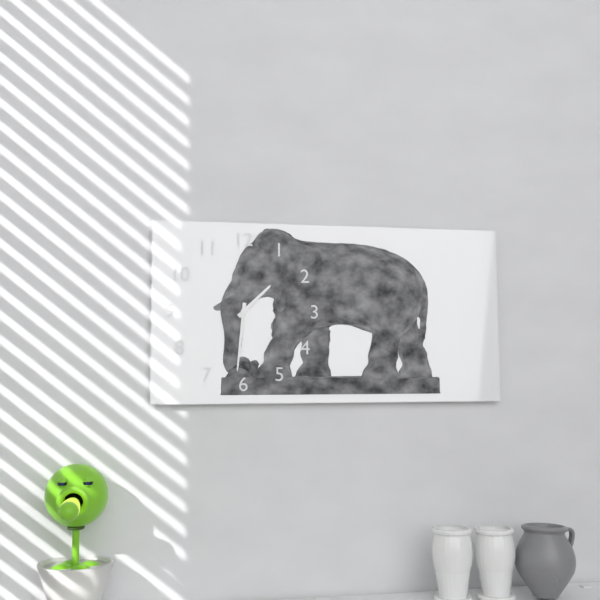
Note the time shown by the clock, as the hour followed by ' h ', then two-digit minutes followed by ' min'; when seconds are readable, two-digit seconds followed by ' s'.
1 h 31 min
